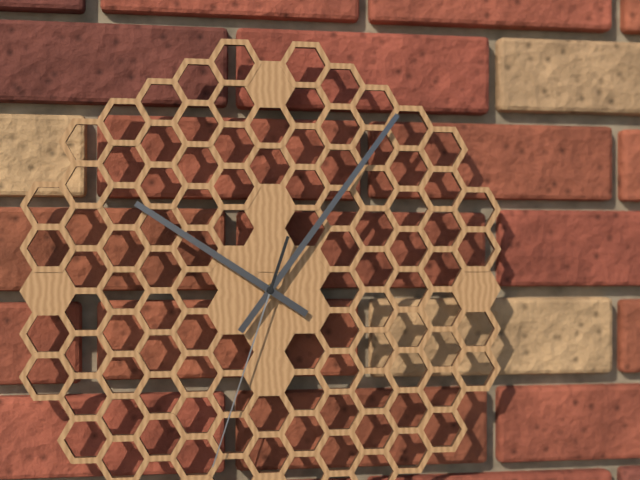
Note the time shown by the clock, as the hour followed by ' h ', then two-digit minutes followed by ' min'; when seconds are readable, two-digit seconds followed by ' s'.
10 h 06 min 33 s
